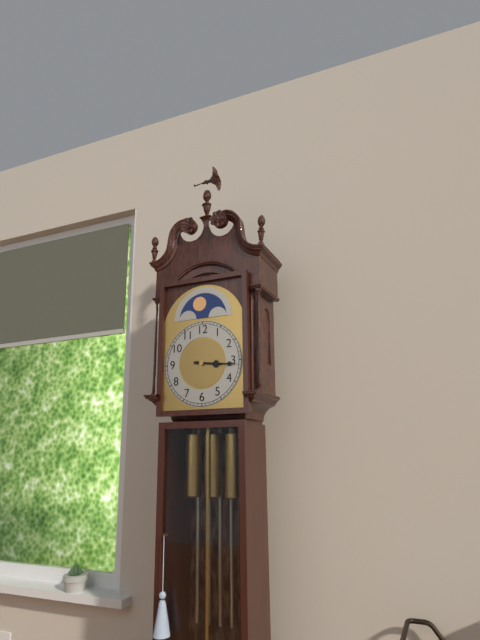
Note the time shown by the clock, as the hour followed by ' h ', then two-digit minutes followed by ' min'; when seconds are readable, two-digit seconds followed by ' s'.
3 h 16 min
